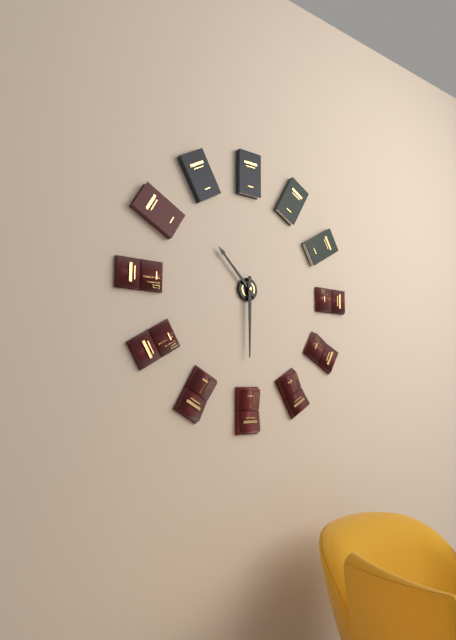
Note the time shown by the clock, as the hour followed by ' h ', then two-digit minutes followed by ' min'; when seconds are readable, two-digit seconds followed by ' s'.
10 h 30 min
